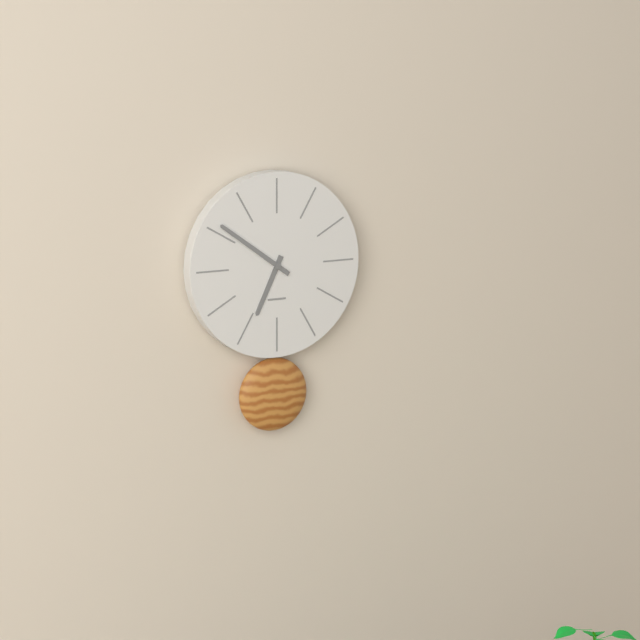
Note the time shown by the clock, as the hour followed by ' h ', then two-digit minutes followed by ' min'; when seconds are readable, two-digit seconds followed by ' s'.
6 h 51 min
